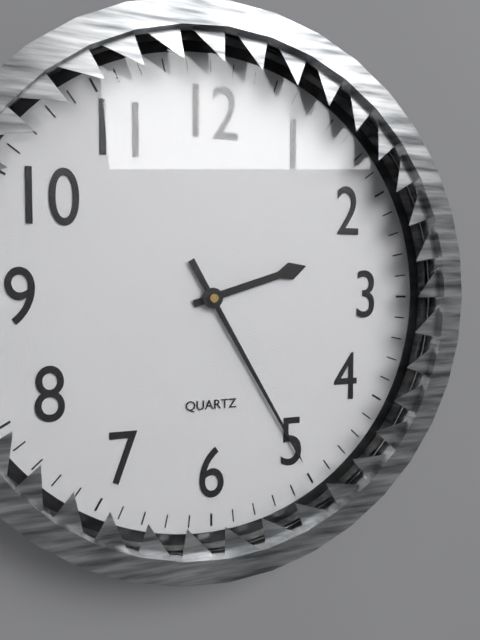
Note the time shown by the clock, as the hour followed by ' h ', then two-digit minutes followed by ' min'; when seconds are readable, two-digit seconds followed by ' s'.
2 h 25 min
